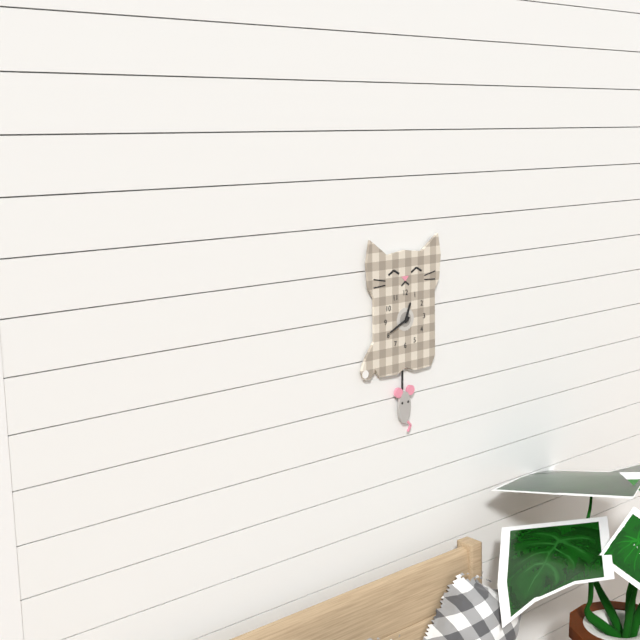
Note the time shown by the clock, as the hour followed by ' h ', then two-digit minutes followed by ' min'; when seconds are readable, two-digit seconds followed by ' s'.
12 h 41 min
